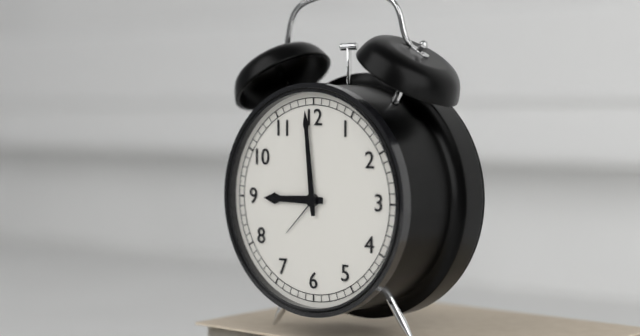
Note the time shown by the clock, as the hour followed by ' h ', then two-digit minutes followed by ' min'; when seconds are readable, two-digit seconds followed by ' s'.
8 h 59 min
